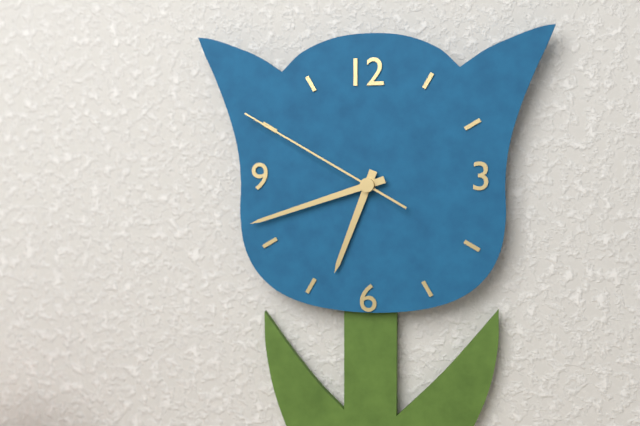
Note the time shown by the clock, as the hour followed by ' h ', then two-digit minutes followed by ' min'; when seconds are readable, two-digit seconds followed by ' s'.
6 h 42 min 50 s
